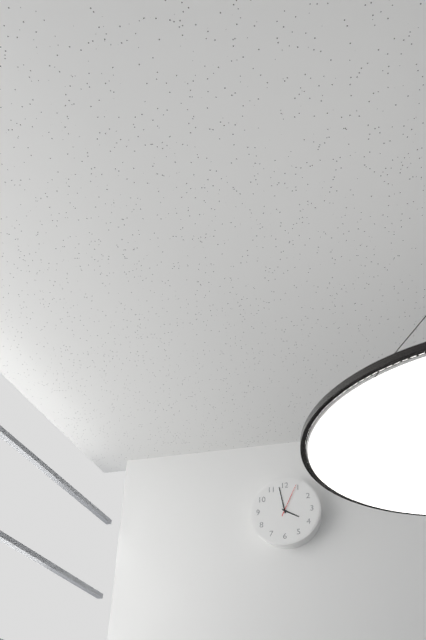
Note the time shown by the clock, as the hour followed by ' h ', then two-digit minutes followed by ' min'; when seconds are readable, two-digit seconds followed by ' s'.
3 h 58 min
